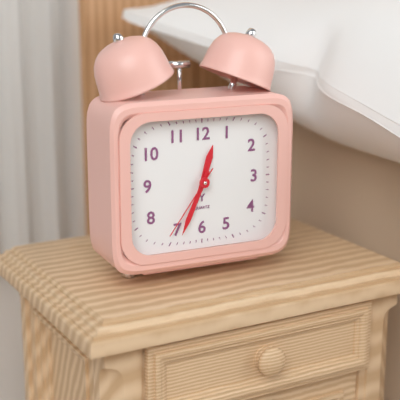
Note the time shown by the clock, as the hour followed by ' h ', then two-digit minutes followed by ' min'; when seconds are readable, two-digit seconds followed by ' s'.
12 h 34 min 36 s
